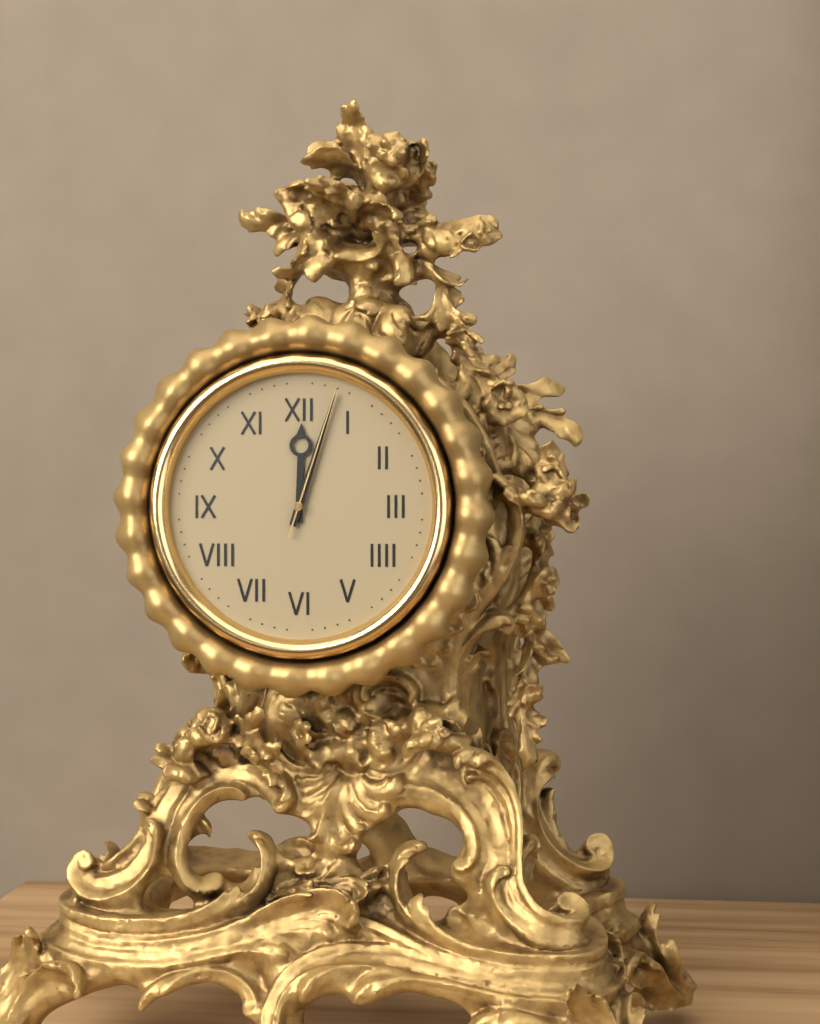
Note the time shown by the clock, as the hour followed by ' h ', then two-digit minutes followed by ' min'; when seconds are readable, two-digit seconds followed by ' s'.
12 h 03 min 03 s
